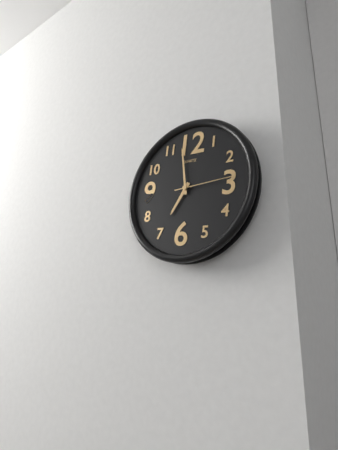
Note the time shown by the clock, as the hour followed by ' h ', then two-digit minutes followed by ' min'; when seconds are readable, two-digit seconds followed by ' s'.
6 h 58 min 14 s
